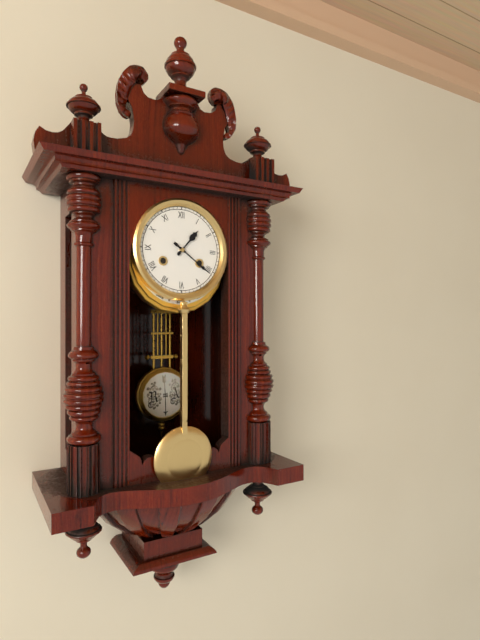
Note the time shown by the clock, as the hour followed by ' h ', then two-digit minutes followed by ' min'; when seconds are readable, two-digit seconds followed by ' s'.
1 h 21 min
